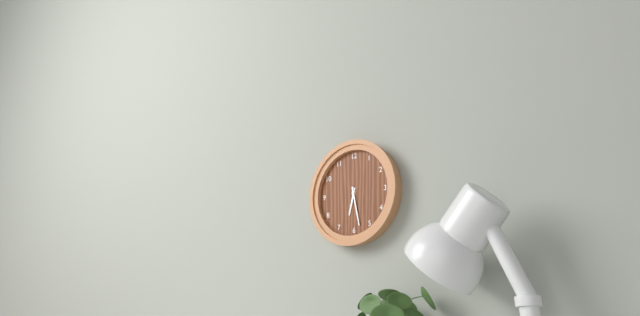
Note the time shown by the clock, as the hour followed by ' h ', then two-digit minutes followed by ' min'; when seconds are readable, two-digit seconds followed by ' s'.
6 h 28 min
